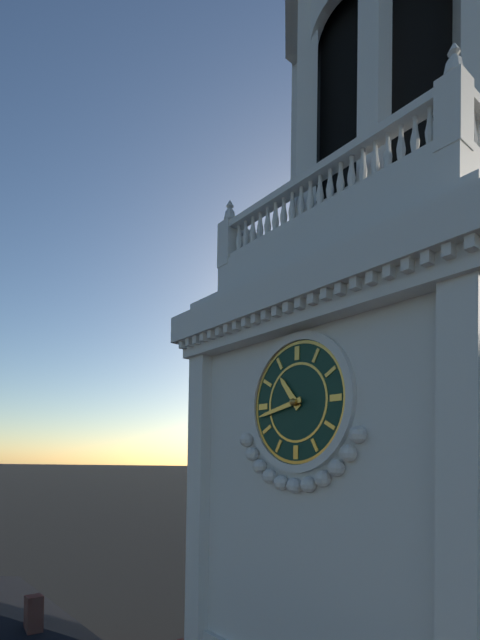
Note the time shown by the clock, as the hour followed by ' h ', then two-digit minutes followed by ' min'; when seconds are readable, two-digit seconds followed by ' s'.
10 h 43 min
